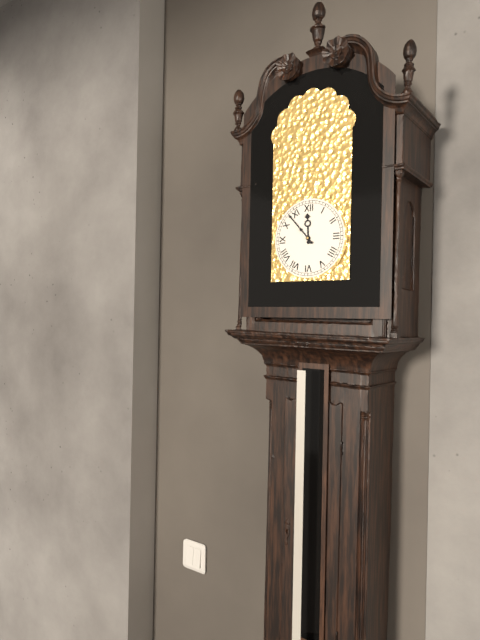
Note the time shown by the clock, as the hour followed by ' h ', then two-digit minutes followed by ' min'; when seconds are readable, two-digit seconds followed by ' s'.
11 h 53 min
